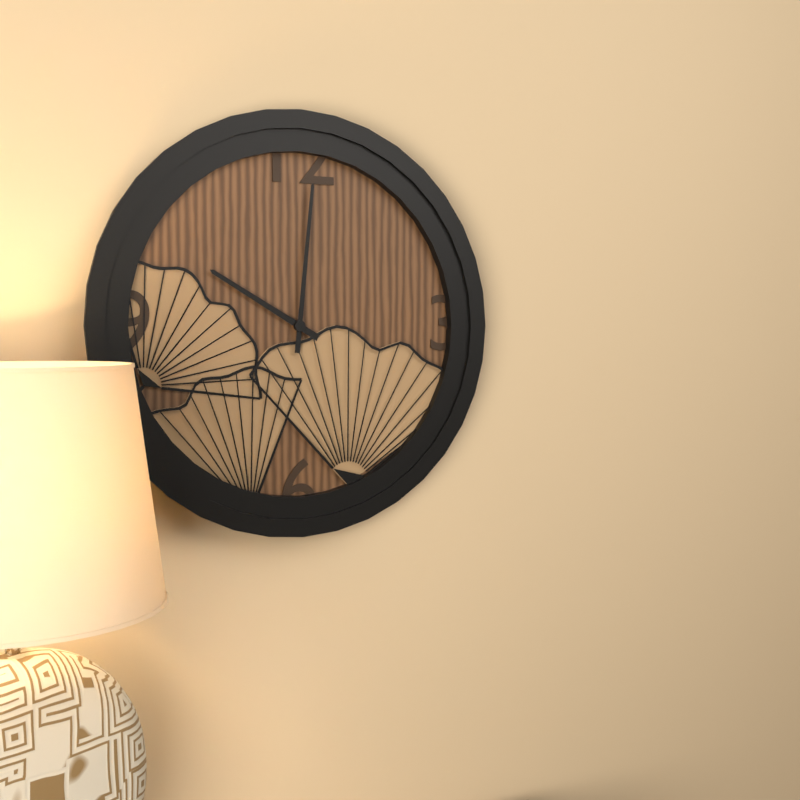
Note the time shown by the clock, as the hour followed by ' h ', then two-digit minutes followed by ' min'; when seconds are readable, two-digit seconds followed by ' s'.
10 h 01 min
